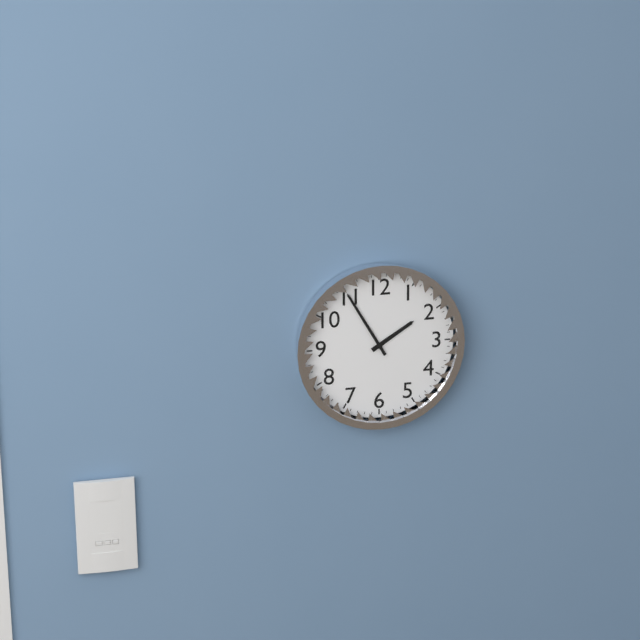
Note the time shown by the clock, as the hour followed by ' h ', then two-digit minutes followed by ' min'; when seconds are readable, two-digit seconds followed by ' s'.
1 h 55 min
